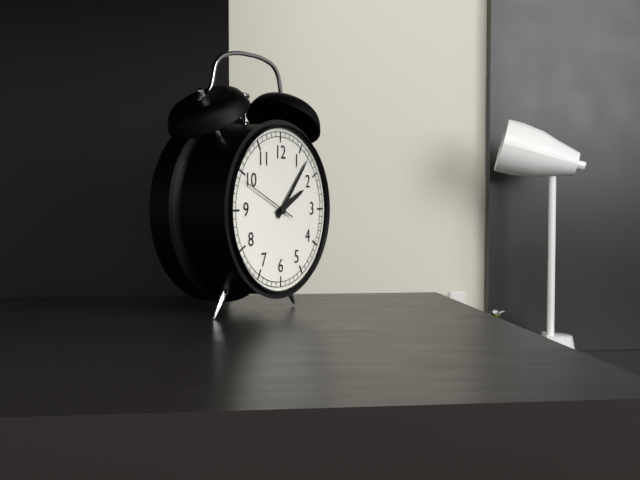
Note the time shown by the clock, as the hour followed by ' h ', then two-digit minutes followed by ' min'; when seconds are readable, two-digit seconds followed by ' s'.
2 h 07 min 49 s
